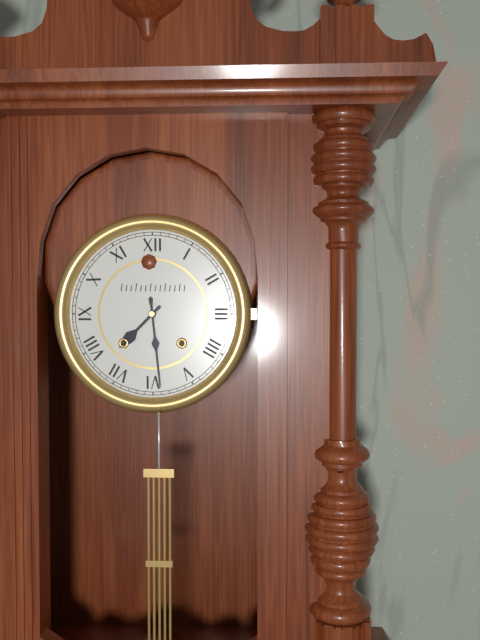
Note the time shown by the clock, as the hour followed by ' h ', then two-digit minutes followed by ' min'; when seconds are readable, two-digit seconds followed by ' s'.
7 h 29 min
